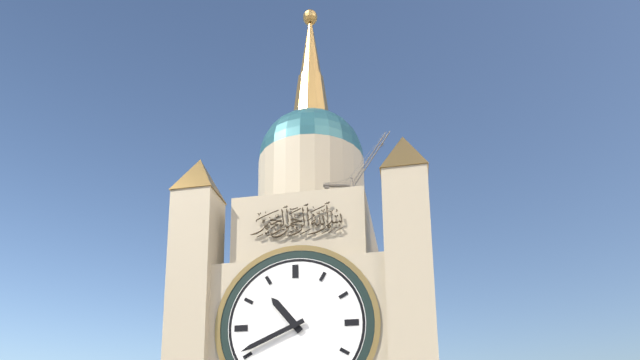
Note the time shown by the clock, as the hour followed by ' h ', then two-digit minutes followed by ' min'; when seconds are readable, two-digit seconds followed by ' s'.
10 h 41 min
